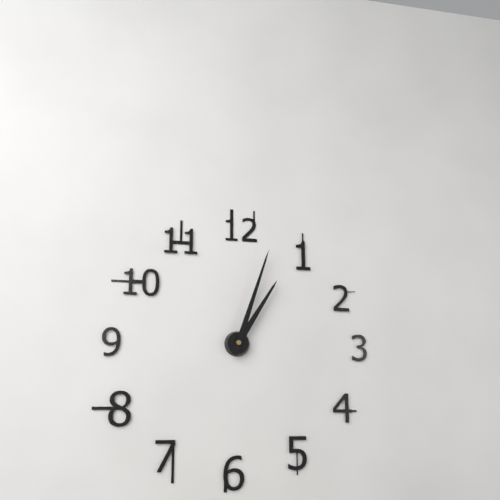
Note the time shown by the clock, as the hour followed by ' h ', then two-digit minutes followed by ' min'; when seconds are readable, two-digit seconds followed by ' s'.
1 h 03 min
